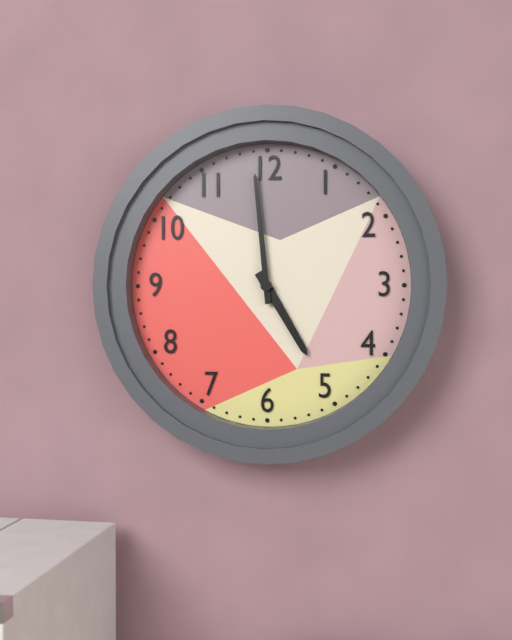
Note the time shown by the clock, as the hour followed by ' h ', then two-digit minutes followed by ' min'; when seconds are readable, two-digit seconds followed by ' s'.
4 h 59 min
